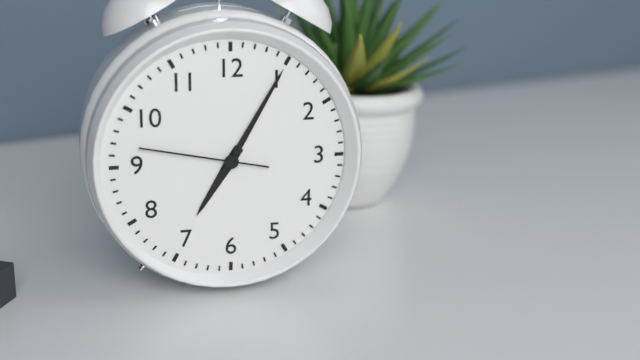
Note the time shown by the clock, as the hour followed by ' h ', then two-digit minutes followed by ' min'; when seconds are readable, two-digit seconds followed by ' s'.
7 h 05 min 47 s
